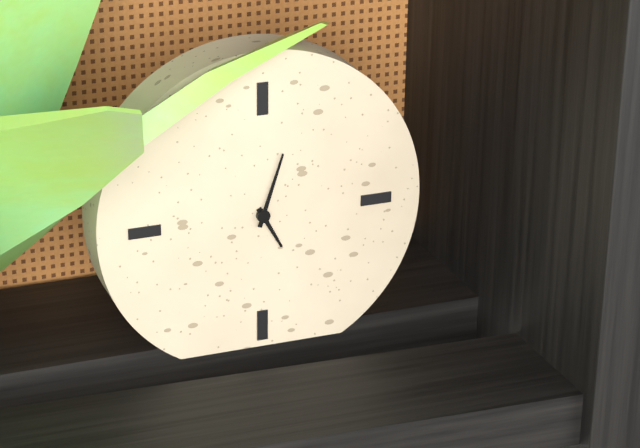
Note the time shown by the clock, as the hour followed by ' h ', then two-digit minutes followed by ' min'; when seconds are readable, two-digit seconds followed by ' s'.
5 h 03 min
